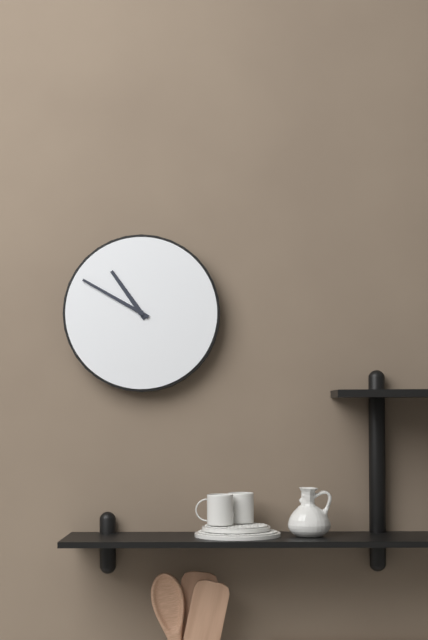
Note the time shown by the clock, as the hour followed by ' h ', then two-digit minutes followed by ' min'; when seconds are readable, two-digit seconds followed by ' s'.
10 h 50 min
